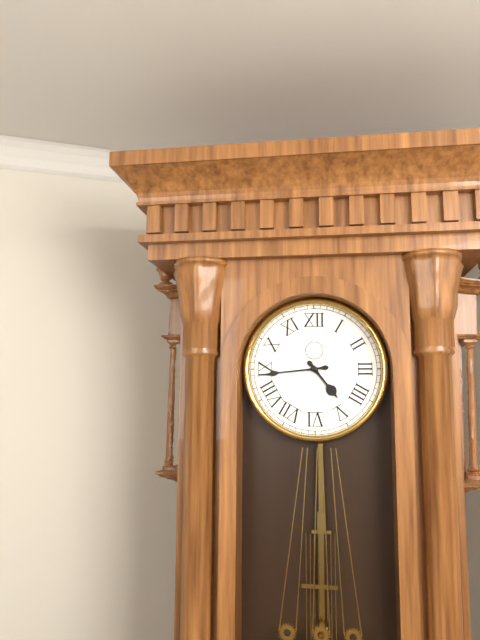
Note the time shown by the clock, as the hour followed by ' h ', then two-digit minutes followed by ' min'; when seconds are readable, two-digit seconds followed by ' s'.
4 h 44 min
